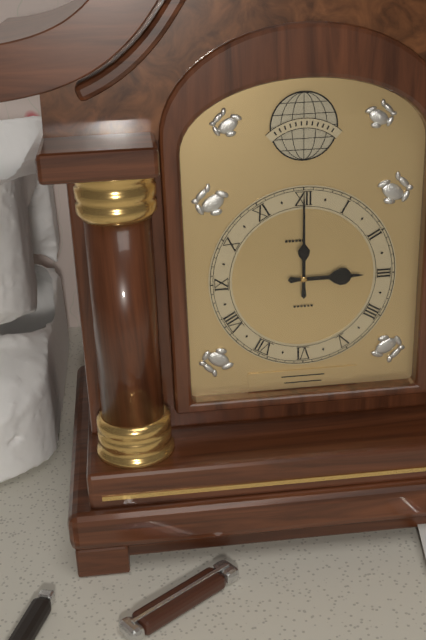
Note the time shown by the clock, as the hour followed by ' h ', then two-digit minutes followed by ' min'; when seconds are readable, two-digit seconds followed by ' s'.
3 h 00 min
